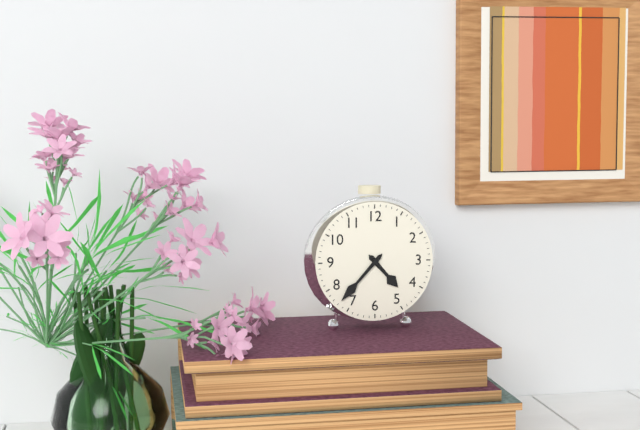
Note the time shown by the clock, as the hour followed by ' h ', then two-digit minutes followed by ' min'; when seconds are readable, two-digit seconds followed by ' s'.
4 h 37 min
